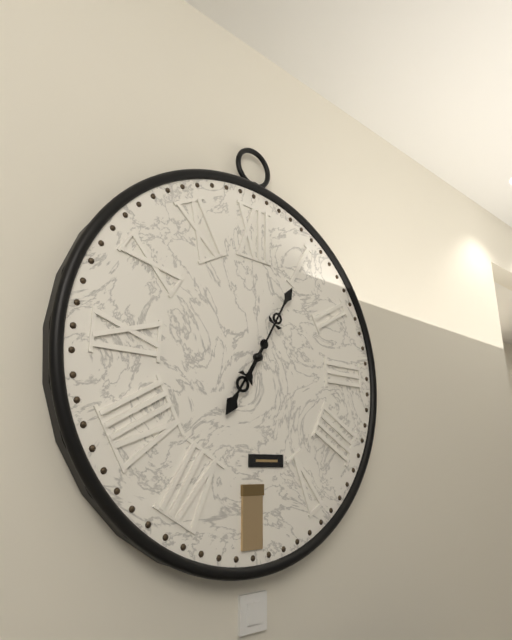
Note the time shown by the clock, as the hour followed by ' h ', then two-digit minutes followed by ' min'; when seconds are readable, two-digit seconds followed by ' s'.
7 h 05 min
